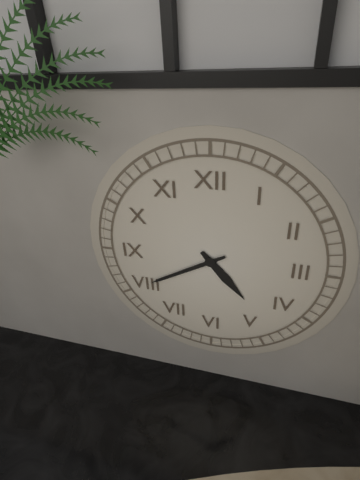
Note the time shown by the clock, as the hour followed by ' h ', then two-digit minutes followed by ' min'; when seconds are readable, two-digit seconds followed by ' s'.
4 h 40 min
